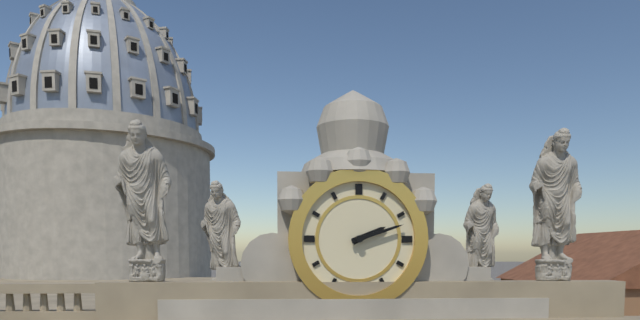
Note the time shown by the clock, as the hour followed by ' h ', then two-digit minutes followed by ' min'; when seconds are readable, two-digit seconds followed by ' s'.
2 h 12 min
